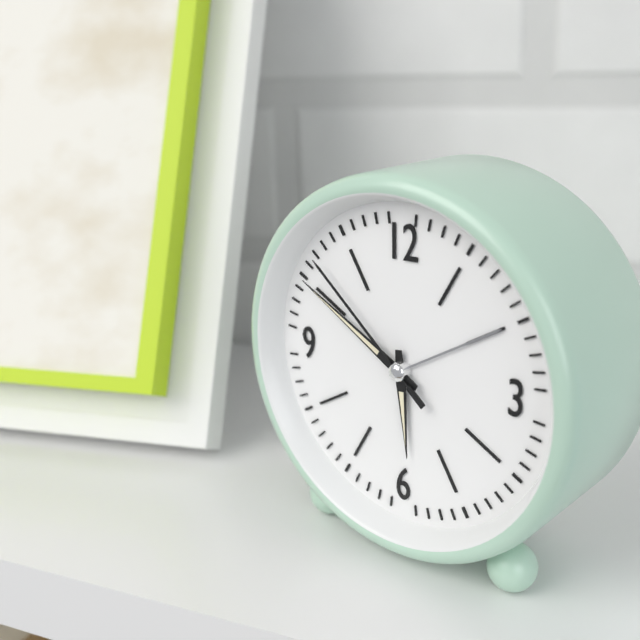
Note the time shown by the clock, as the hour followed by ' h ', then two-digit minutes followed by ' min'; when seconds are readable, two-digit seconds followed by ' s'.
5 h 50 min 52 s
